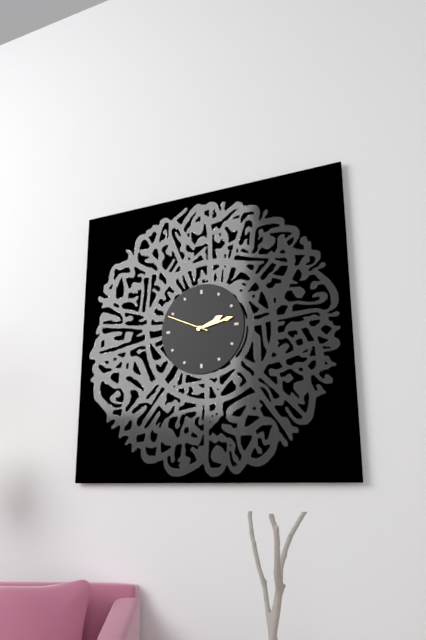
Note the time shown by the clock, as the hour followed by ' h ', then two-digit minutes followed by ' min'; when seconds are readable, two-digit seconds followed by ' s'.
2 h 13 min
